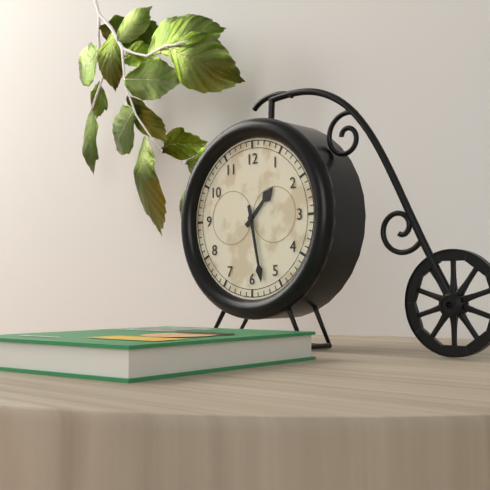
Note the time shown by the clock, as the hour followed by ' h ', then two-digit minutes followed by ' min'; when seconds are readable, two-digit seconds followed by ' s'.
1 h 28 min
